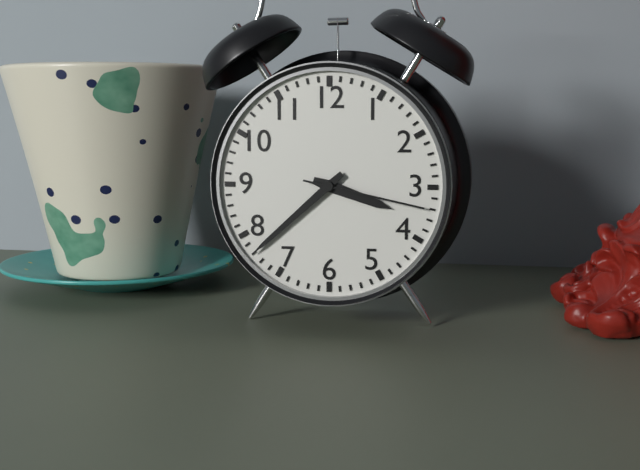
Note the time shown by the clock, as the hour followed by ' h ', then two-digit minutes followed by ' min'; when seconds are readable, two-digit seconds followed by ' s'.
3 h 38 min 17 s
